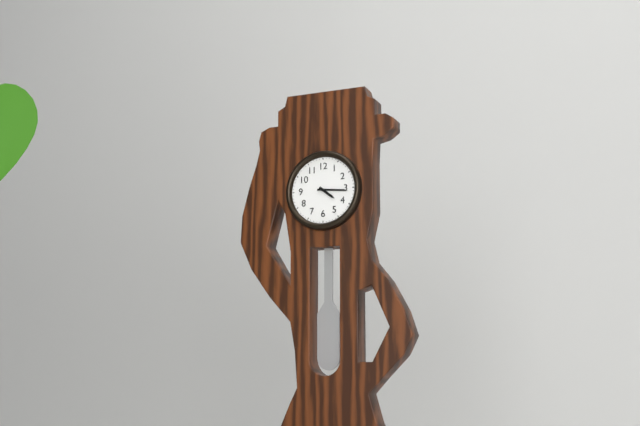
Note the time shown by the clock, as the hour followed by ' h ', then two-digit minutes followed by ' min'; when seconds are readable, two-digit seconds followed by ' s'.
4 h 16 min
